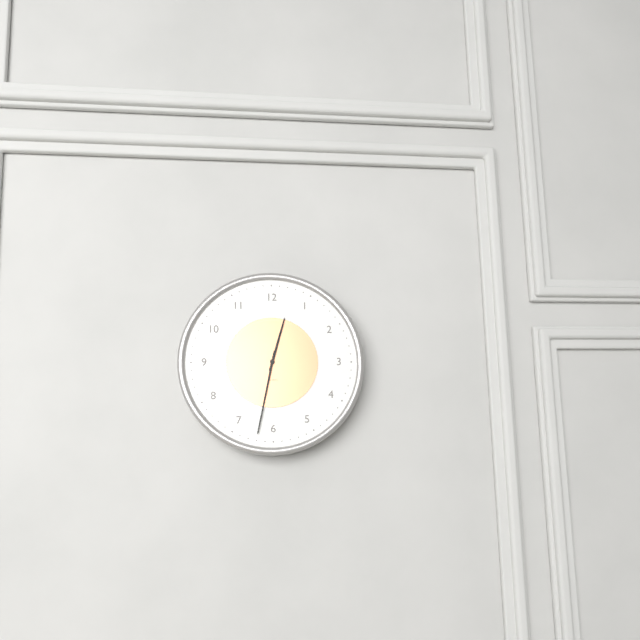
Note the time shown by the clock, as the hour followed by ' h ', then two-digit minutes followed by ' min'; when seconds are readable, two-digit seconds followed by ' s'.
12 h 32 min
